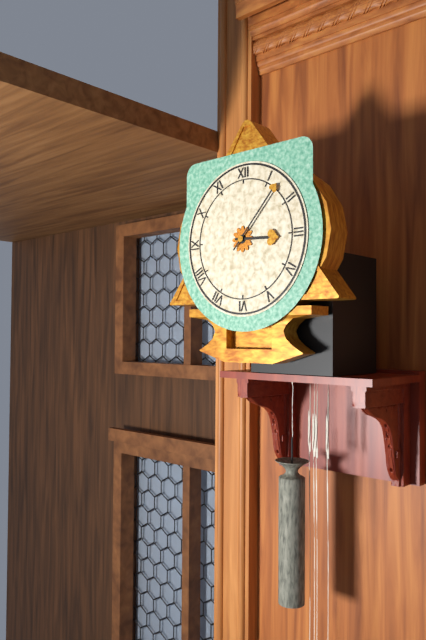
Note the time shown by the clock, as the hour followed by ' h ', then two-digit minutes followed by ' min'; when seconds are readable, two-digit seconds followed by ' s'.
3 h 07 min
